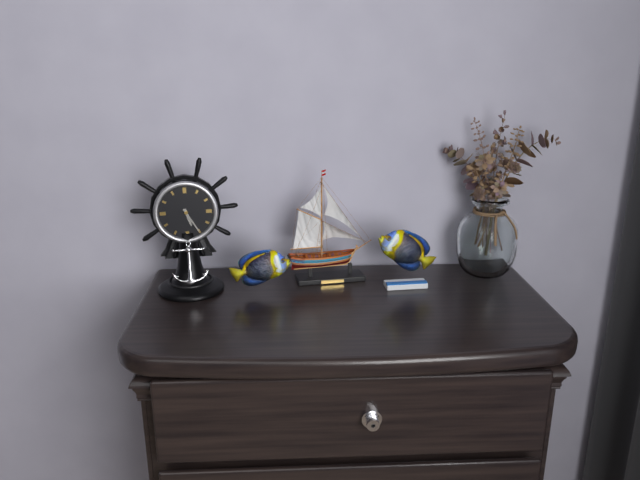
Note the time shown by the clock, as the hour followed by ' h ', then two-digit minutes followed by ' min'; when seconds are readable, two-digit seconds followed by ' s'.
5 h 25 min
